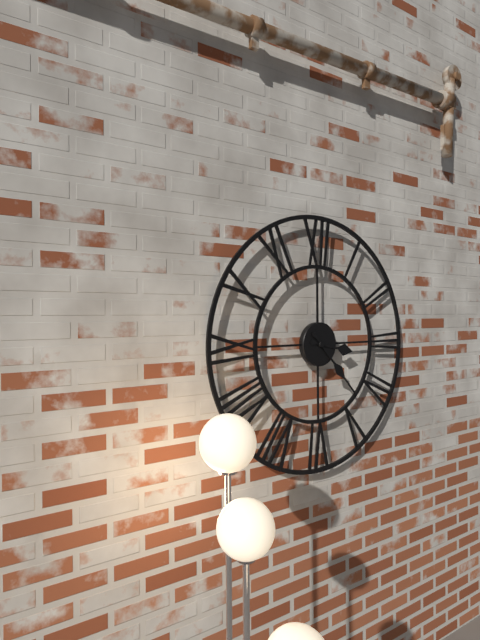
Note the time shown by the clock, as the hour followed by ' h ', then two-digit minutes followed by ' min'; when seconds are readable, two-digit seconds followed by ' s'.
3 h 23 min
